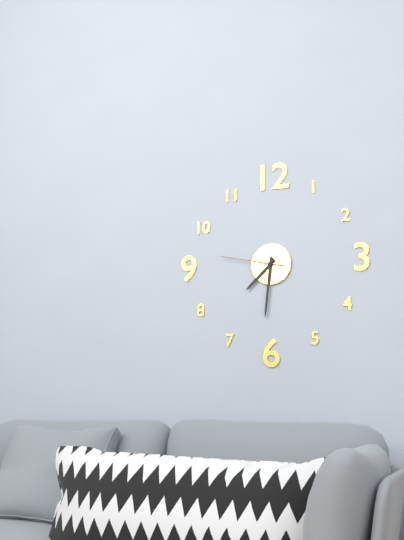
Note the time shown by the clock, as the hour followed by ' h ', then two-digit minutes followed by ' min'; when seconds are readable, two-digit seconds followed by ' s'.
7 h 31 min 47 s
